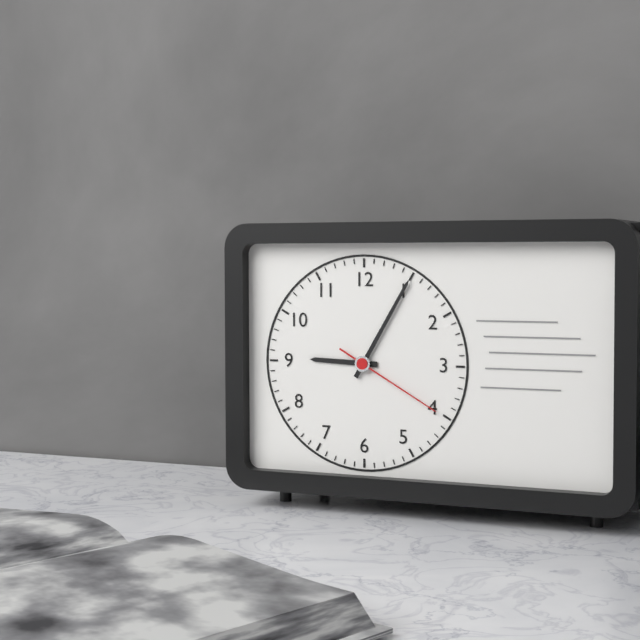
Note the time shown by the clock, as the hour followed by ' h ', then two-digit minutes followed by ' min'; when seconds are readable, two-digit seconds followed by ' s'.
9 h 05 min 20 s
